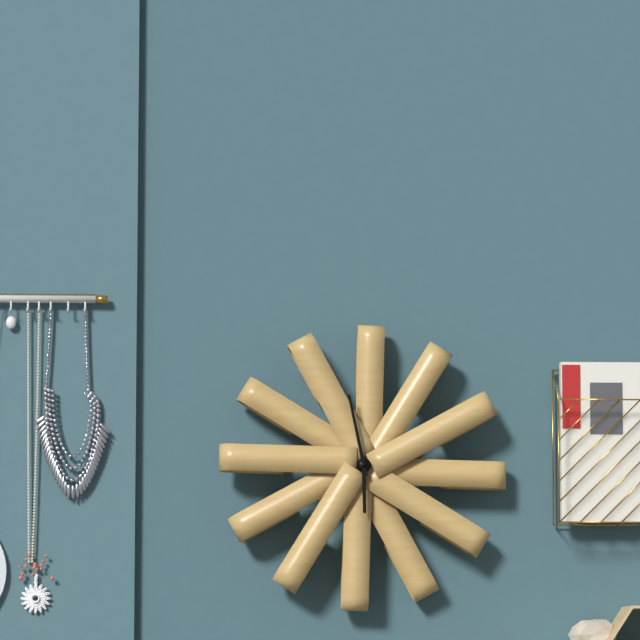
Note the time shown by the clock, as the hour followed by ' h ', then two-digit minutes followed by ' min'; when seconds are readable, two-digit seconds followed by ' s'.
5 h 58 min
